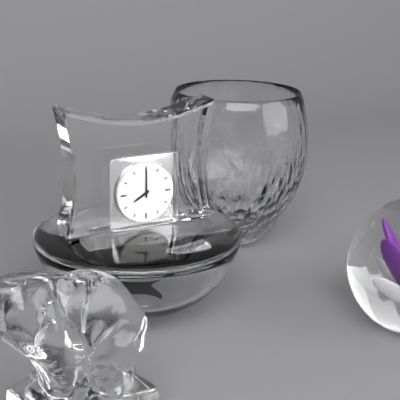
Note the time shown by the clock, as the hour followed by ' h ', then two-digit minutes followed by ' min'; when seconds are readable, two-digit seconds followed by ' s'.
8 h 00 min
